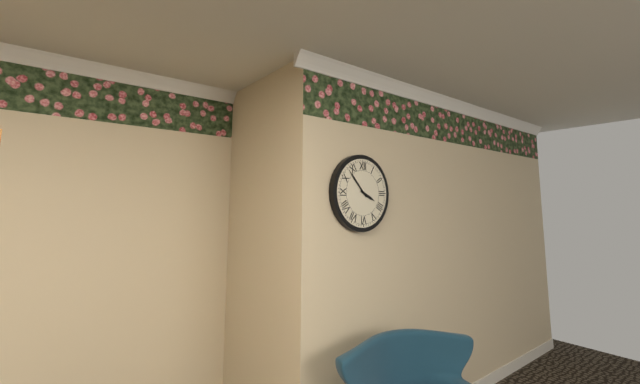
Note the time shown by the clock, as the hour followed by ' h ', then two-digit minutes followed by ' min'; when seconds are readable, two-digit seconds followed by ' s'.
3 h 53 min
